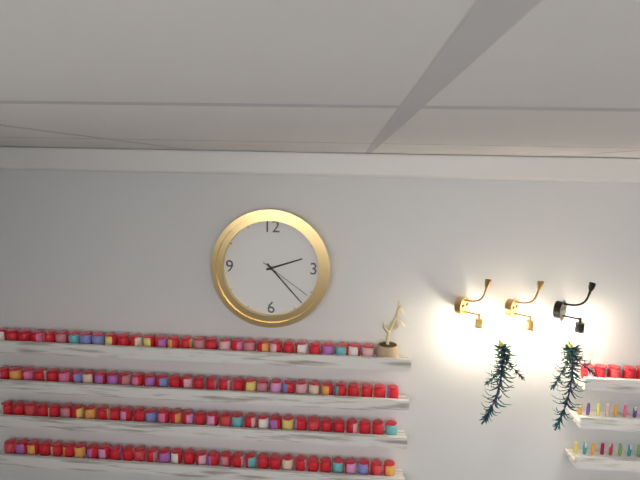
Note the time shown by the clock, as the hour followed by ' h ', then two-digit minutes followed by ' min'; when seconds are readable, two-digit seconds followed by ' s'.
2 h 23 min 21 s
